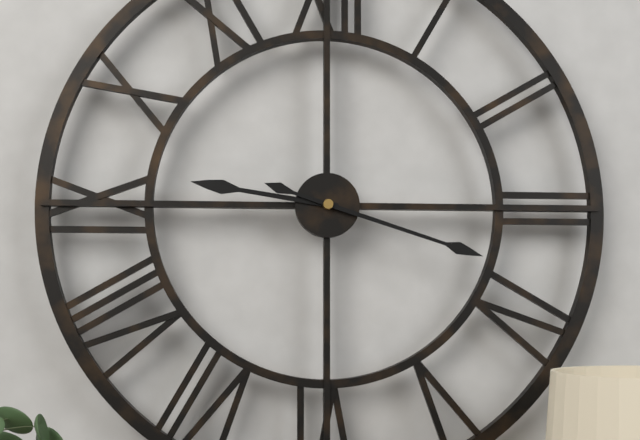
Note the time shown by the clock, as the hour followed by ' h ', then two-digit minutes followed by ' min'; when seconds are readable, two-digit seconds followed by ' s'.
9 h 18 min
